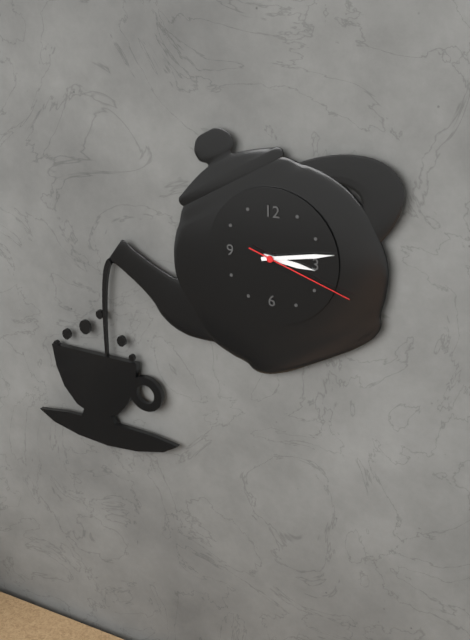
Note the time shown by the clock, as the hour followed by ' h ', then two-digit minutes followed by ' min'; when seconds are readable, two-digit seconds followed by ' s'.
3 h 13 min 18 s
